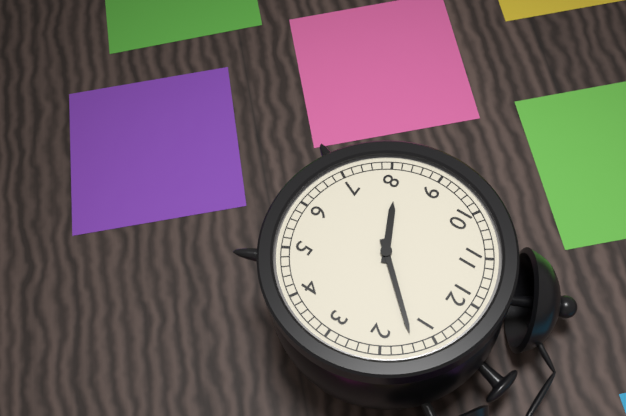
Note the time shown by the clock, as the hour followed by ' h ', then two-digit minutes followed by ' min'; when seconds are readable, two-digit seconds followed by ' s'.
8 h 07 min
